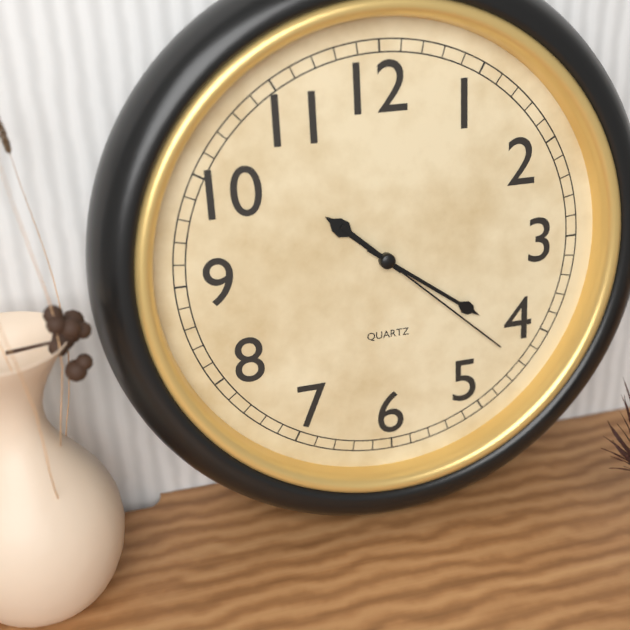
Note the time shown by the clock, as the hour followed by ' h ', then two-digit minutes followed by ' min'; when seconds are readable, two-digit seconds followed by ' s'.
10 h 21 min 22 s
